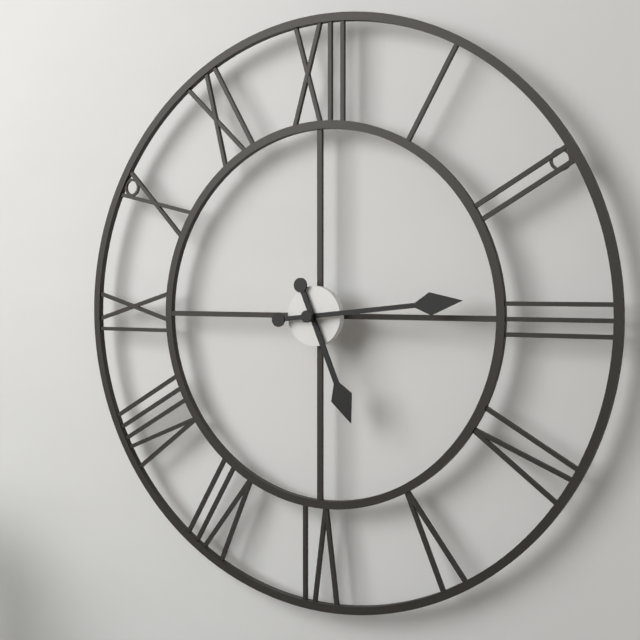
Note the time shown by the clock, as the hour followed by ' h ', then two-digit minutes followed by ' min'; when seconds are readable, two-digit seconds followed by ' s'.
5 h 14 min
